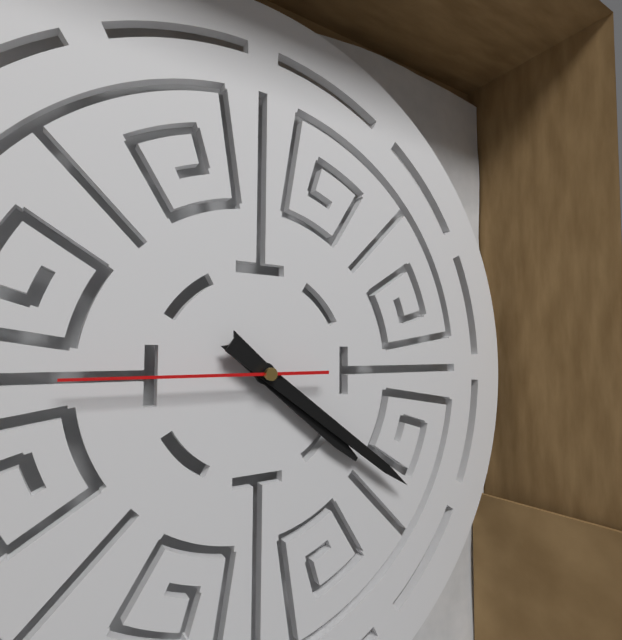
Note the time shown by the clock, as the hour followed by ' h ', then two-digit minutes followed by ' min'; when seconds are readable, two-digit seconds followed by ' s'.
4 h 21 min 45 s
